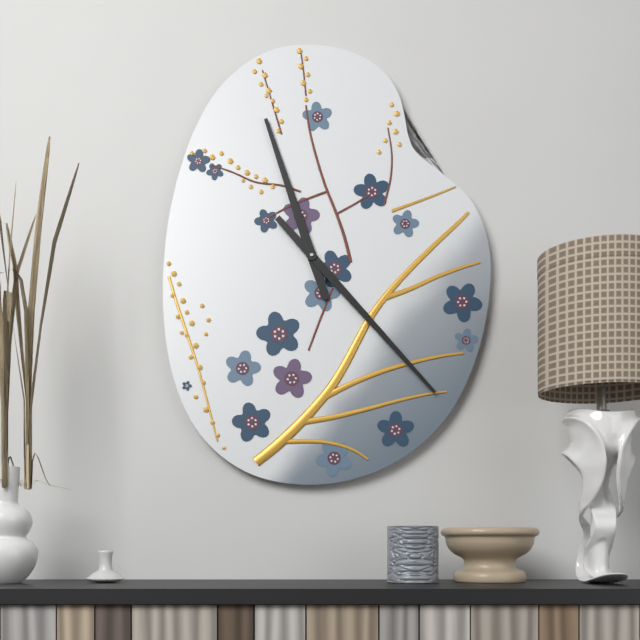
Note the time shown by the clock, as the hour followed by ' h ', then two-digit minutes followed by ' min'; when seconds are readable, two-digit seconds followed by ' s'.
11 h 23 min
